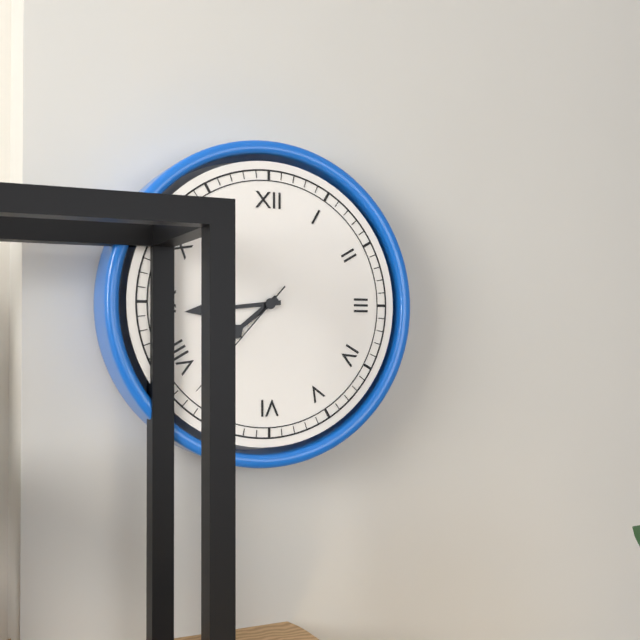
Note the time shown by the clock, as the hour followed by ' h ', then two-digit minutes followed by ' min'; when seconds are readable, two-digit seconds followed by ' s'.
7 h 44 min
